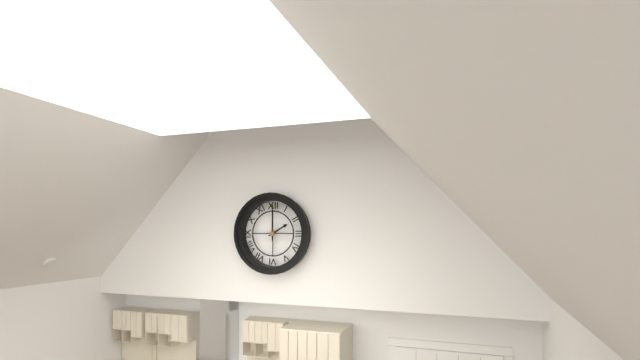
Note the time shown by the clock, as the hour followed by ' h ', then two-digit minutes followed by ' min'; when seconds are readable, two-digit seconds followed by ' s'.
2 h 00 min
